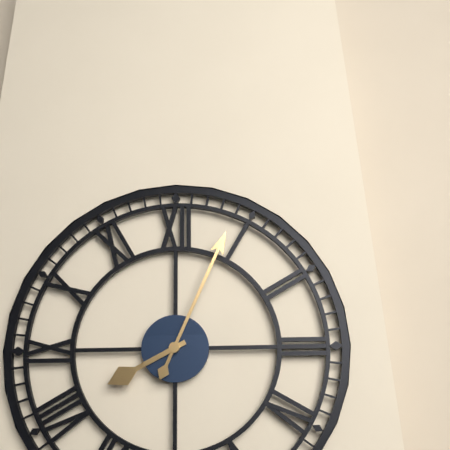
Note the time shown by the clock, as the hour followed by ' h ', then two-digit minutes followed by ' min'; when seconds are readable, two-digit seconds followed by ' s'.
8 h 04 min
